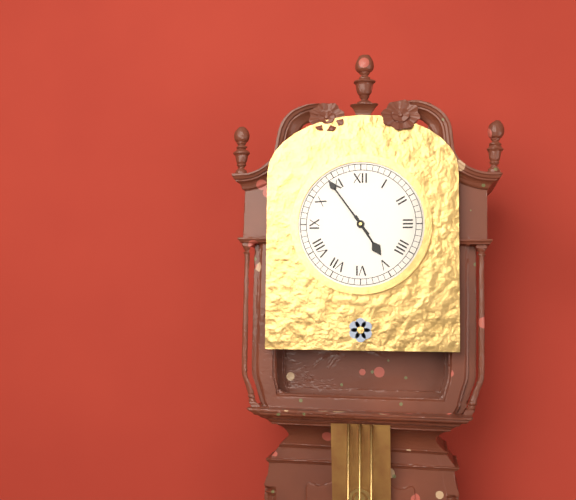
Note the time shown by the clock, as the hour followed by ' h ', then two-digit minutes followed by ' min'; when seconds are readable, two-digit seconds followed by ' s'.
4 h 54 min
